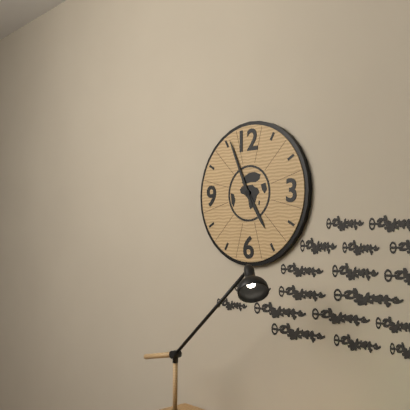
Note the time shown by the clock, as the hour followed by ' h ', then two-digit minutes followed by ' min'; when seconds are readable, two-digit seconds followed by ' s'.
4 h 56 min
